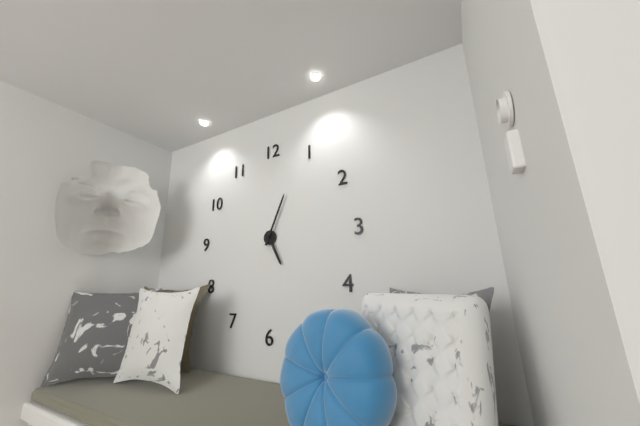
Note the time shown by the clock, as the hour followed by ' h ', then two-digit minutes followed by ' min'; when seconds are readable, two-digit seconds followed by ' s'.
5 h 04 min
